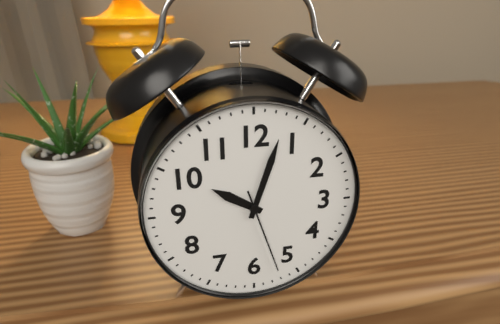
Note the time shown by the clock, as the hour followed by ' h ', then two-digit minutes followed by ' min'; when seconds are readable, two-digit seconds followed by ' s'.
10 h 03 min 27 s
